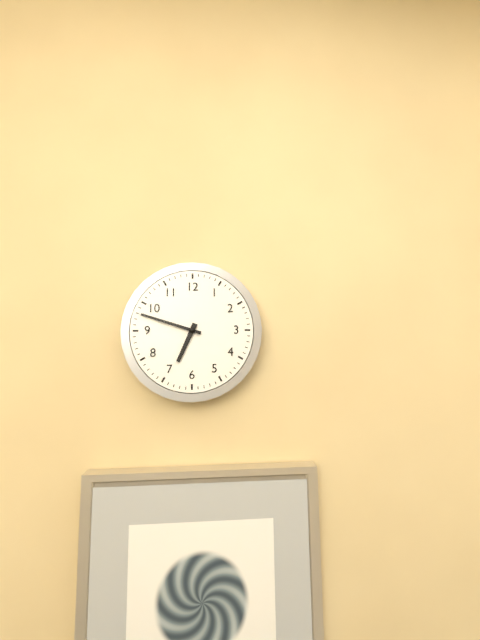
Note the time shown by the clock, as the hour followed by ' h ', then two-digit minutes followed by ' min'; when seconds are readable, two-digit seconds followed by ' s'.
6 h 48 min
